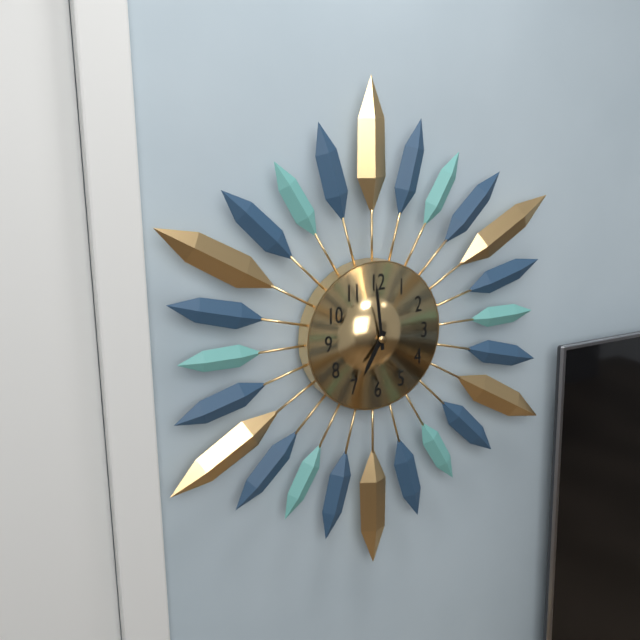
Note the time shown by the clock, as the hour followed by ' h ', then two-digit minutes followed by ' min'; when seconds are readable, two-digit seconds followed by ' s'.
6 h 59 min
